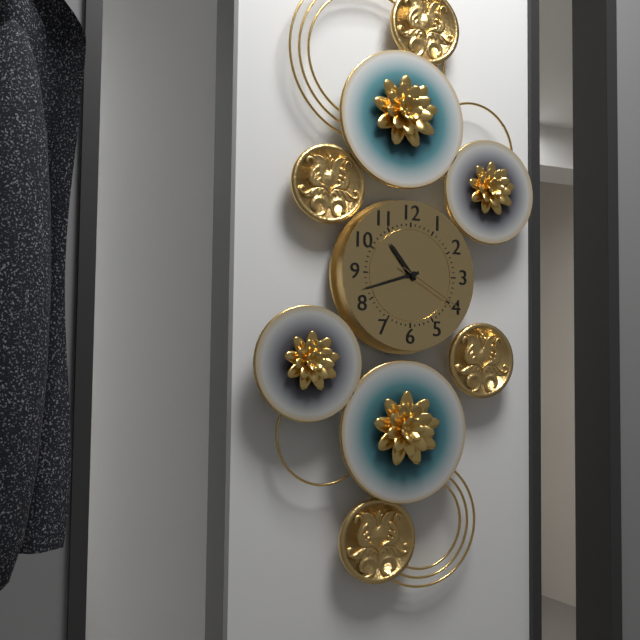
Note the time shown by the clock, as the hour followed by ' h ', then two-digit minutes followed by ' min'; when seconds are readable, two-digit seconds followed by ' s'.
10 h 42 min 20 s
